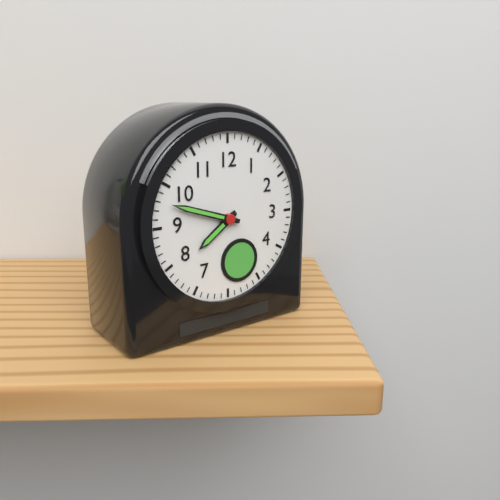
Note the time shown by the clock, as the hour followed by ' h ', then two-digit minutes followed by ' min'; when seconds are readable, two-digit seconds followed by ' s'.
7 h 48 min
